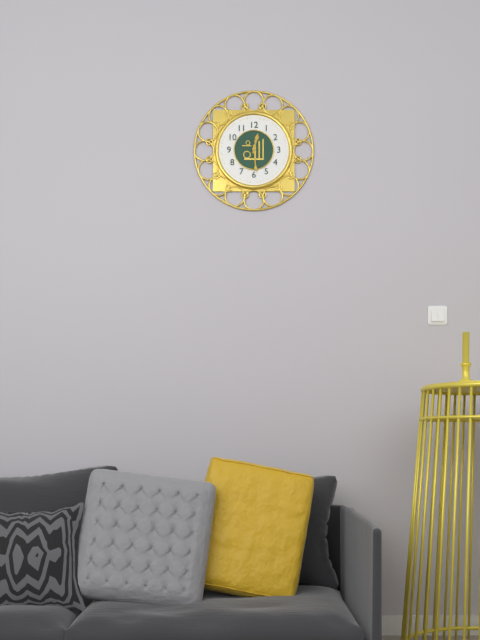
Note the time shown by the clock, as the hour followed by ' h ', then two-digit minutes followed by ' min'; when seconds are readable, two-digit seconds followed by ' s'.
12 h 29 min
